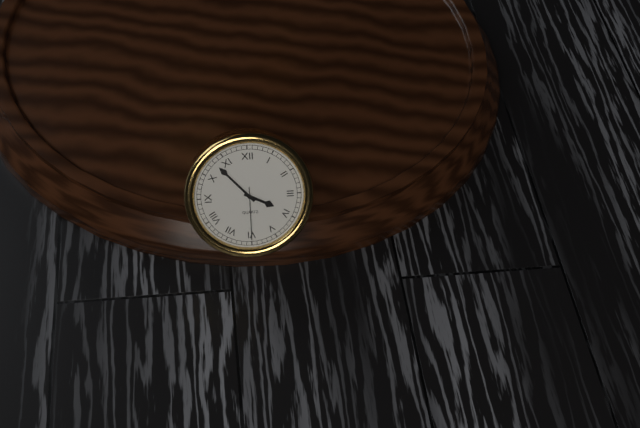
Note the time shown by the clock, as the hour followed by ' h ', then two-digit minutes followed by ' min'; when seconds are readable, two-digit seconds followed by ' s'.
3 h 53 min 30 s
